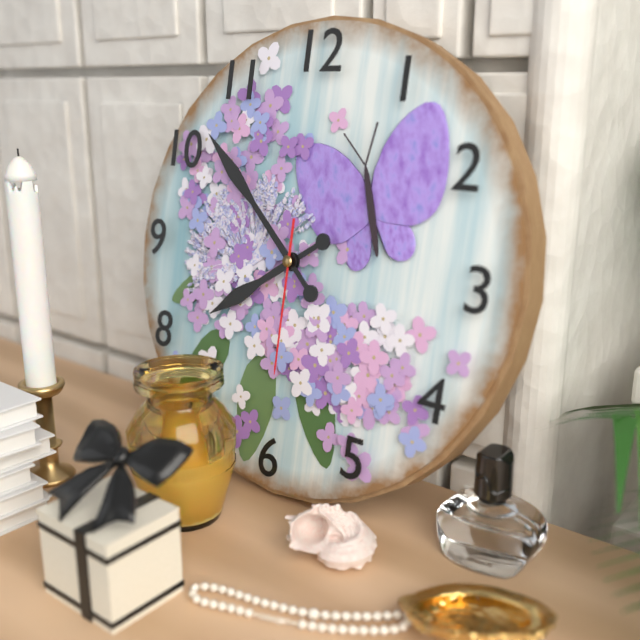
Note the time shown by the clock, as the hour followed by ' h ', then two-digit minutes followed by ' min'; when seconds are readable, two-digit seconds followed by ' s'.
7 h 52 min 30 s
